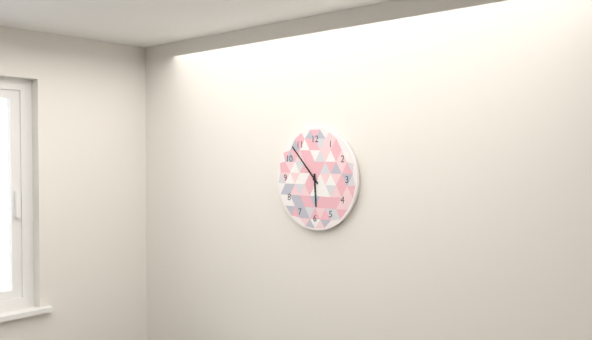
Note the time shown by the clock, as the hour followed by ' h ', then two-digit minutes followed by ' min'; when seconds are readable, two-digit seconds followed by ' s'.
5 h 53 min
